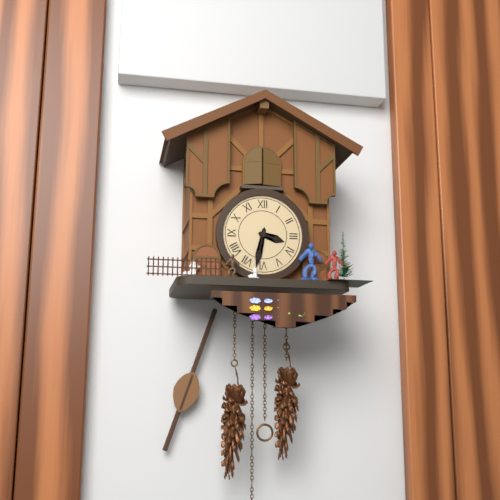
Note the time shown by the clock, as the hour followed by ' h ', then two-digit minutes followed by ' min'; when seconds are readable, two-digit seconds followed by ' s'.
3 h 32 min
